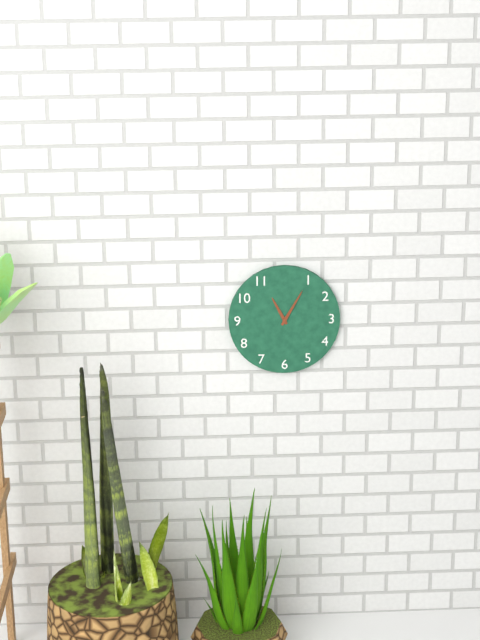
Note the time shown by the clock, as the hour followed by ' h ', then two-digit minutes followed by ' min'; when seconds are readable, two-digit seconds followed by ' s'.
11 h 05 min
